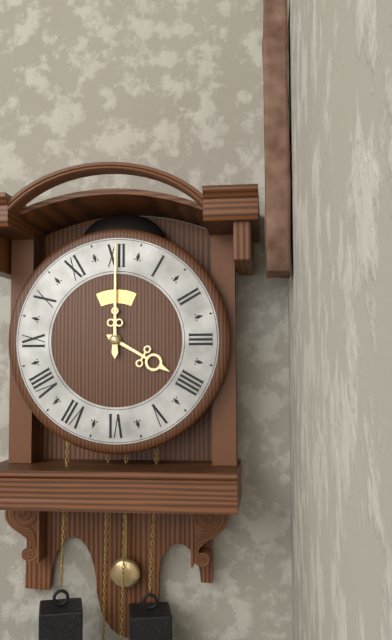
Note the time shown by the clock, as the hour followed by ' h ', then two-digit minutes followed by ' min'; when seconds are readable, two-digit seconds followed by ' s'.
4 h 00 min
